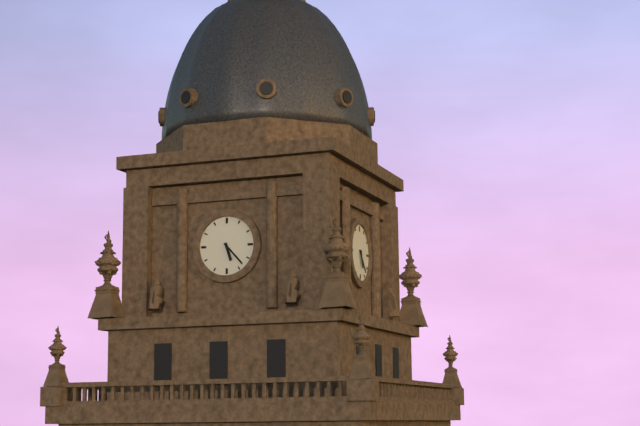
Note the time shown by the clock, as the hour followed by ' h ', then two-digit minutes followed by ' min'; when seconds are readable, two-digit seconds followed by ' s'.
5 h 23 min
